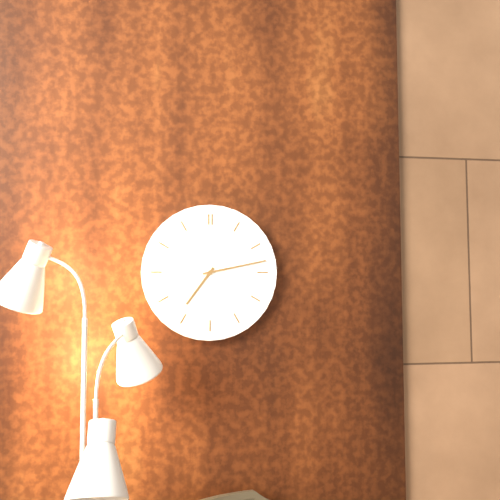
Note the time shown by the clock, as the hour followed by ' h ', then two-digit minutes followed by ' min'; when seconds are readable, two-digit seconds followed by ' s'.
7 h 13 min
